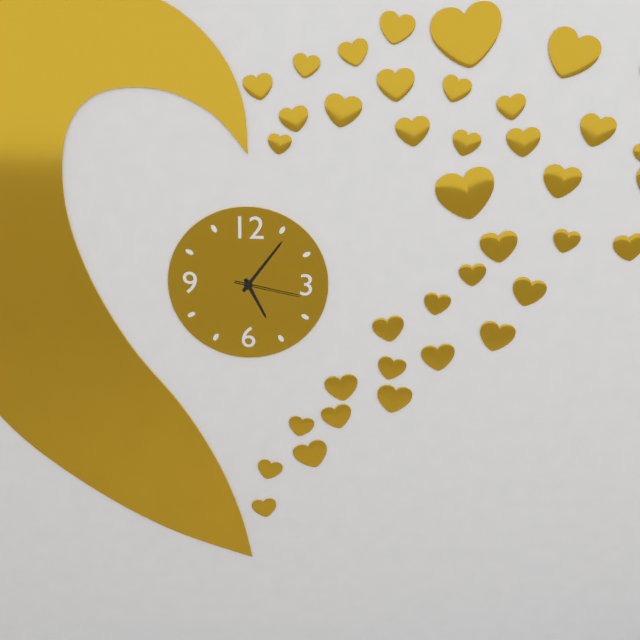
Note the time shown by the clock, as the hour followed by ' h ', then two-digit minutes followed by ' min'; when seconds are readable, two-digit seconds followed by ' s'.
5 h 06 min 17 s
